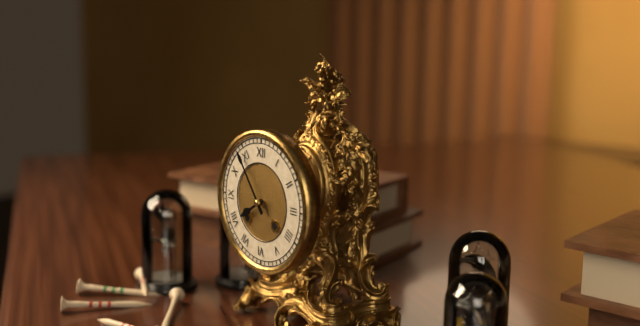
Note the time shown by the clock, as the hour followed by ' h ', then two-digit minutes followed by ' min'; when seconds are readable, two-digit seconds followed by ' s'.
7 h 54 min
